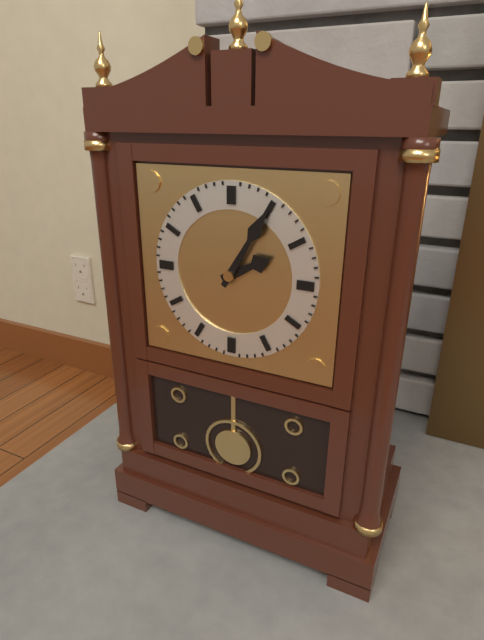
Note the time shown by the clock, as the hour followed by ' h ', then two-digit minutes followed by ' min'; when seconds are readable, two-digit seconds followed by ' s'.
2 h 05 min
